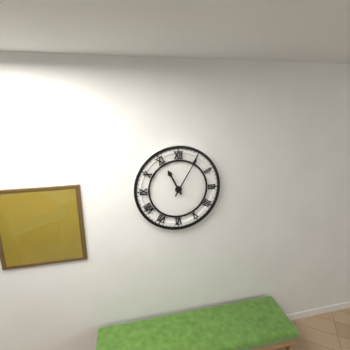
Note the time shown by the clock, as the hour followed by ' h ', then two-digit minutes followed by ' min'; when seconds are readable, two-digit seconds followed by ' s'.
11 h 05 min
